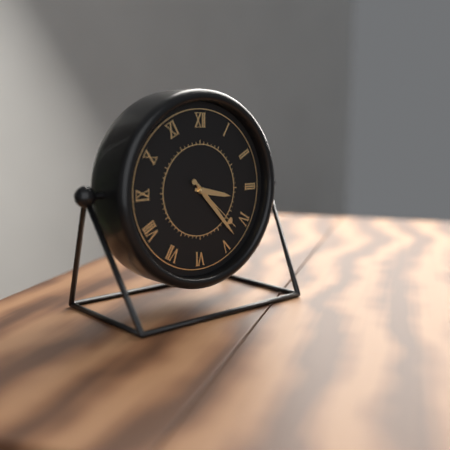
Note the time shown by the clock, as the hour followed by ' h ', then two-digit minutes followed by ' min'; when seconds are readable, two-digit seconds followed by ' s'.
3 h 23 min 22 s
